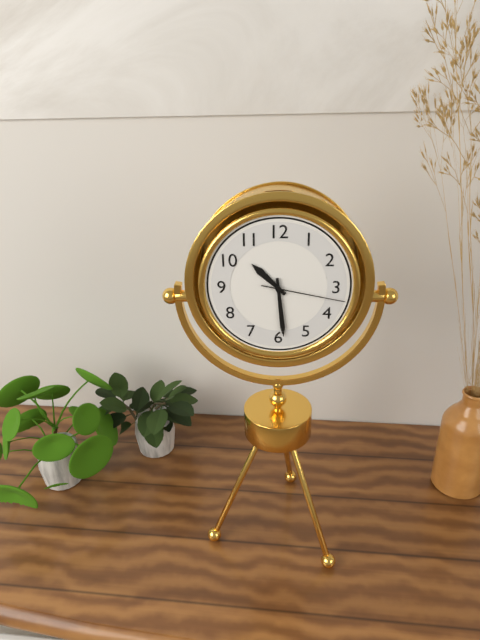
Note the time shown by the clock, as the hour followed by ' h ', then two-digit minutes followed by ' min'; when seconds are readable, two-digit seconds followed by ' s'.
10 h 29 min 17 s
